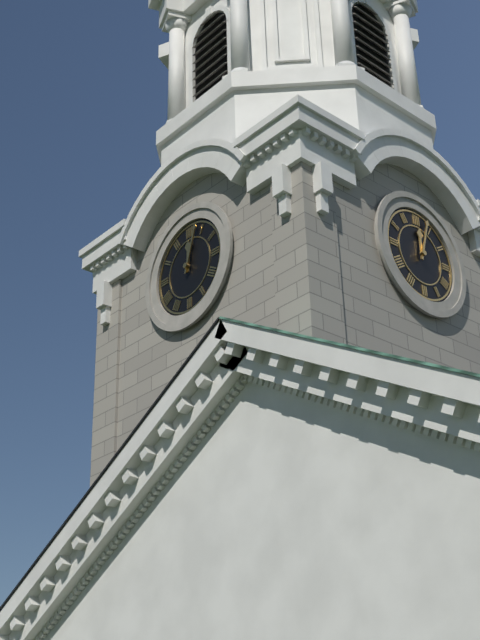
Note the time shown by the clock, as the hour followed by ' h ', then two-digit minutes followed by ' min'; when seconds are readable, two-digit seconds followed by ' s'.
12 h 03 min
